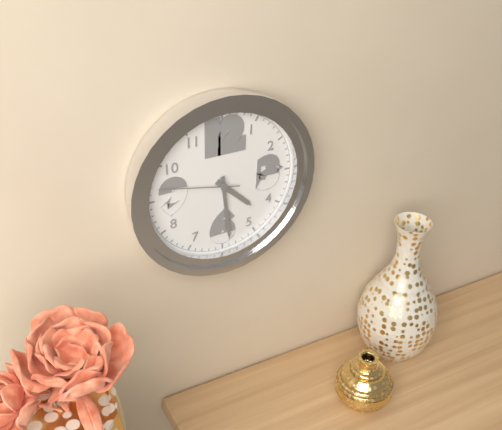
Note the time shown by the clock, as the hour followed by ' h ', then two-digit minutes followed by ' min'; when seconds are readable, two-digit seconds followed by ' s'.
4 h 29 min 47 s
